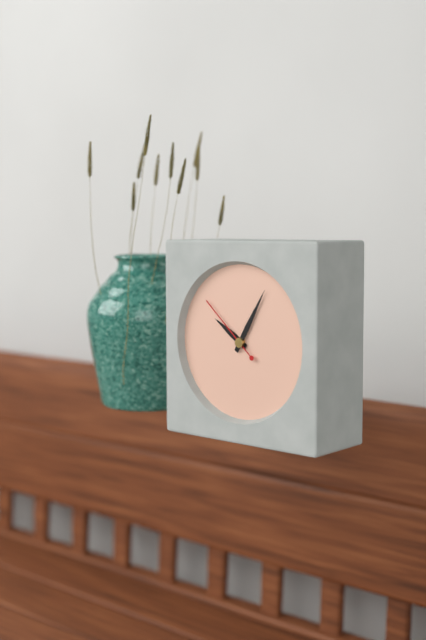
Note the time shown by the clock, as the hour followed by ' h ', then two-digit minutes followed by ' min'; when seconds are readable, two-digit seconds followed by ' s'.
10 h 05 min 52 s
